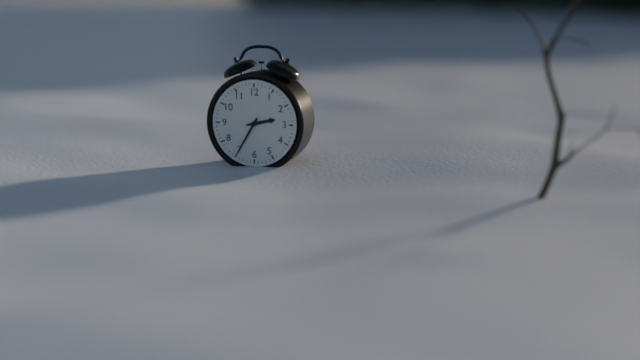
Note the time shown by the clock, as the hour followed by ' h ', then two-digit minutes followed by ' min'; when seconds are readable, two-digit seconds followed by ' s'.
2 h 35 min
